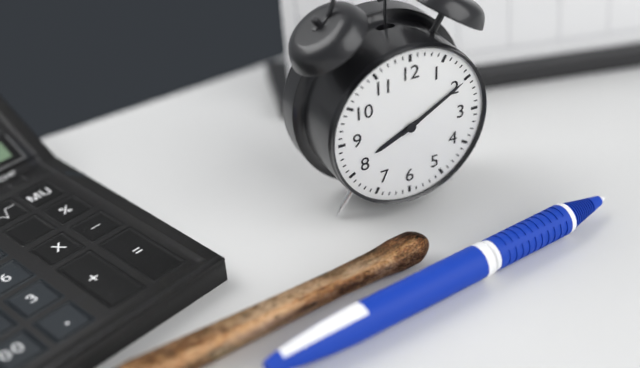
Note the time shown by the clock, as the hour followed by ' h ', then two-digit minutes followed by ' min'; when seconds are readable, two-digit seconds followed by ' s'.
8 h 10 min
